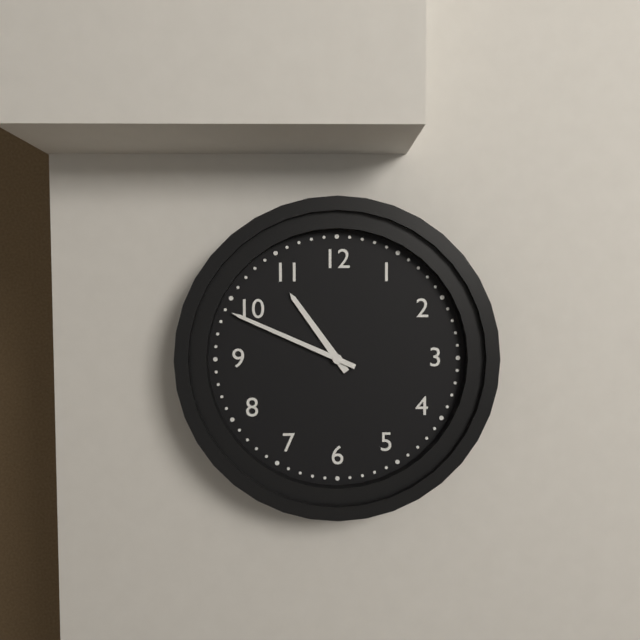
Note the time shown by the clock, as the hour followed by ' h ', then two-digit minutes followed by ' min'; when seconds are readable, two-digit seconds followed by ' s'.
10 h 49 min
